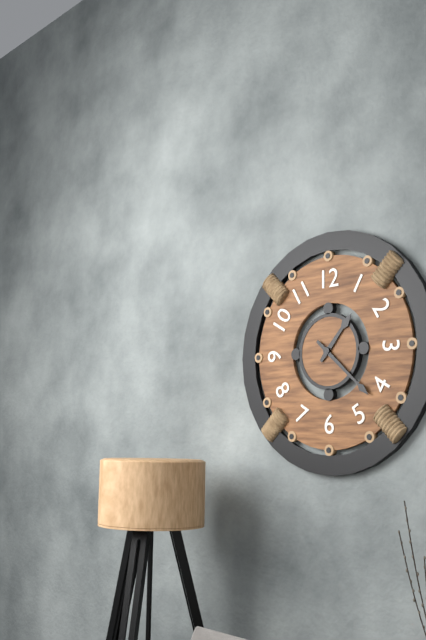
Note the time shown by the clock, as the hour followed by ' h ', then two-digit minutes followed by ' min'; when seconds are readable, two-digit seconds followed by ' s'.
1 h 22 min
